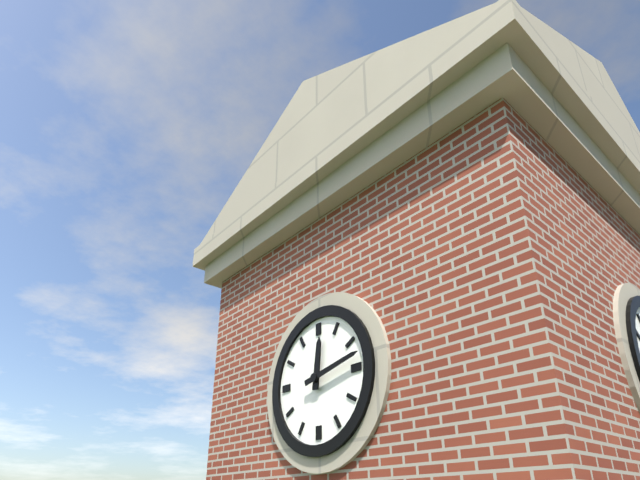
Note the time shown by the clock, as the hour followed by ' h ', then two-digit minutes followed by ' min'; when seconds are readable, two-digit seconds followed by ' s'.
12 h 13 min
